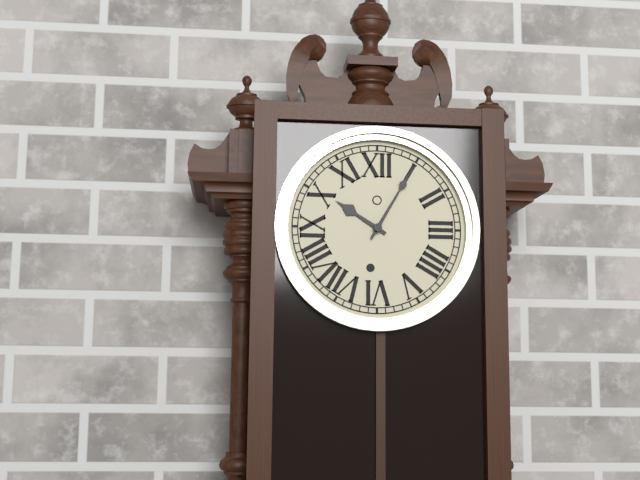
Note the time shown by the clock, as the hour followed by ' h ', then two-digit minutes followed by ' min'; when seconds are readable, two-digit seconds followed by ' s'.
10 h 05 min
